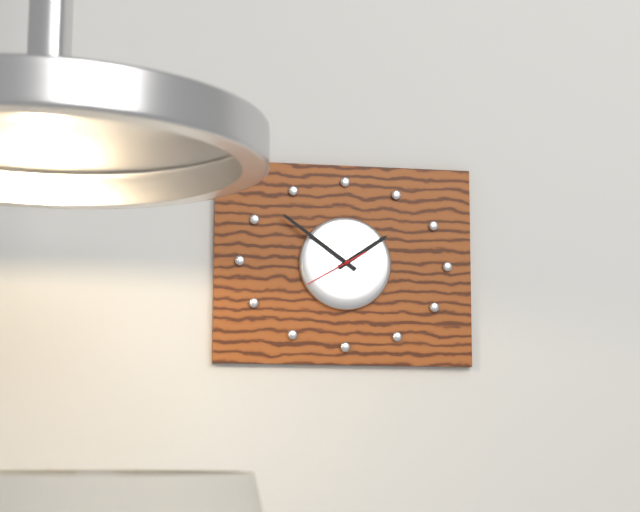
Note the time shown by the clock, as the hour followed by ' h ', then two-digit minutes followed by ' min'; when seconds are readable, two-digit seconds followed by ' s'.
1 h 51 min 40 s
